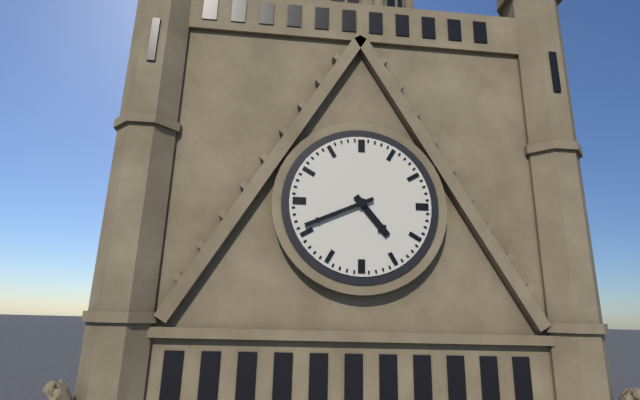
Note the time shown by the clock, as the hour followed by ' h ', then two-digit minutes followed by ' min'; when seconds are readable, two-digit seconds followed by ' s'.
4 h 41 min
